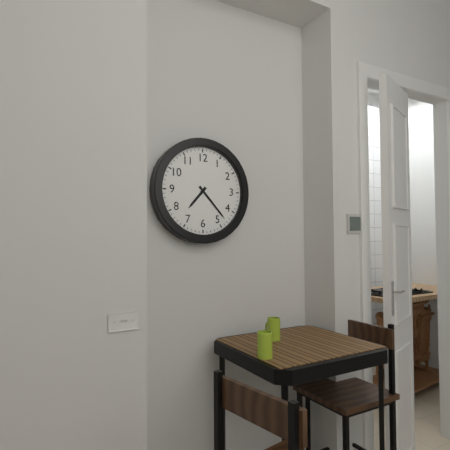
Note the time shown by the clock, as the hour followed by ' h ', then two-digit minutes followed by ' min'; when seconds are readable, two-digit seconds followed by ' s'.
7 h 23 min
